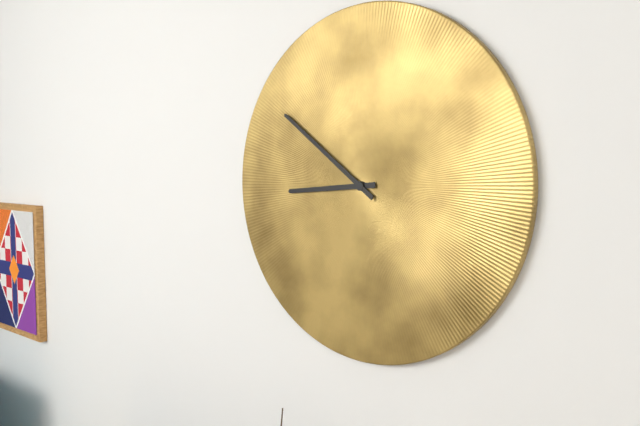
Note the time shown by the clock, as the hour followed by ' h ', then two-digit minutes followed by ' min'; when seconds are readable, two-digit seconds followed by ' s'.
8 h 51 min
